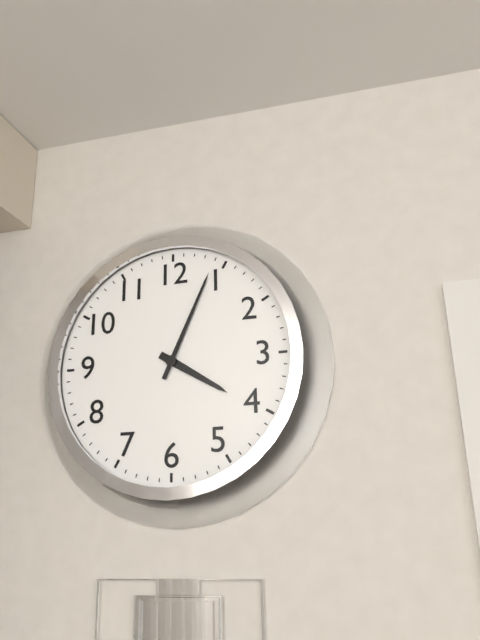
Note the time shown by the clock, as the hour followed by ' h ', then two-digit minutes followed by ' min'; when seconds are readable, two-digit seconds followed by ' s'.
4 h 04 min
